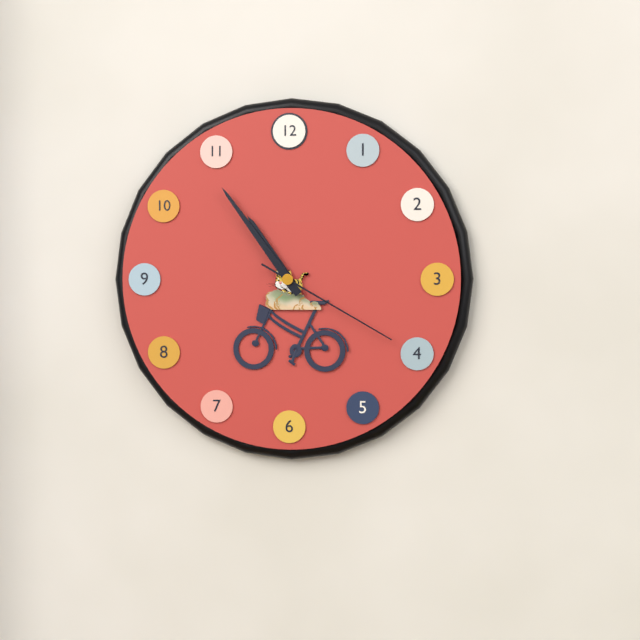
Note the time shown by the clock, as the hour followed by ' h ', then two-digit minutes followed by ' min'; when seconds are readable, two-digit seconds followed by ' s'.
10 h 54 min 20 s
